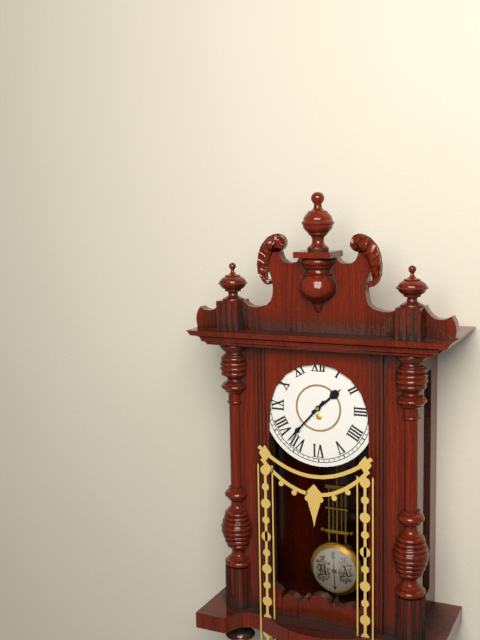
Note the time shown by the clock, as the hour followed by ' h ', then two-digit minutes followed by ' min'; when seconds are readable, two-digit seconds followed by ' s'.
1 h 37 min
